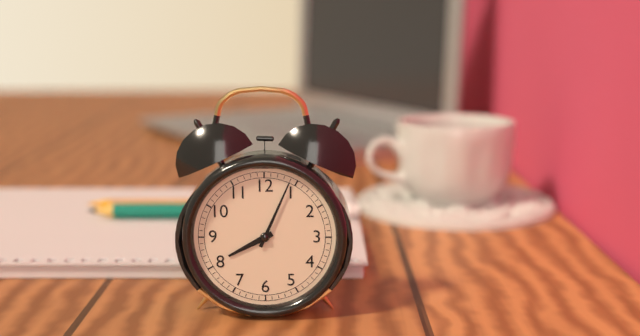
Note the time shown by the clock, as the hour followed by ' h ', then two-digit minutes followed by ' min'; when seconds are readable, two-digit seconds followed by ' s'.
8 h 04 min
